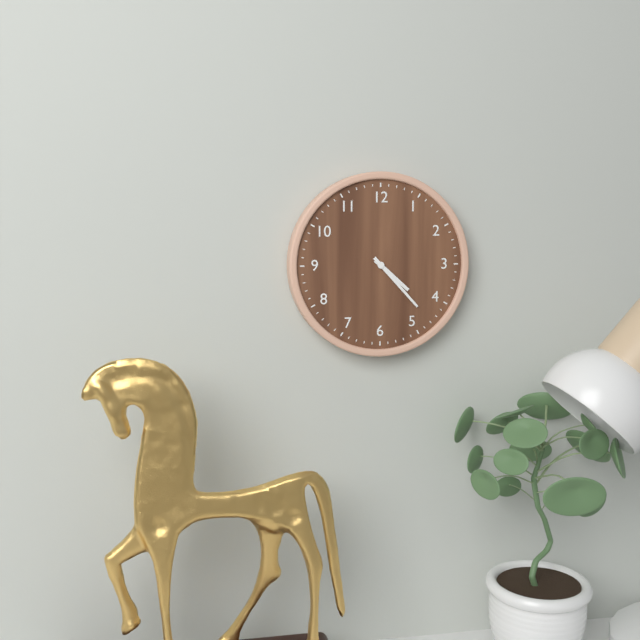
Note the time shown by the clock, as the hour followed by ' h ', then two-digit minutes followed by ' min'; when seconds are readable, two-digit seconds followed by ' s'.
4 h 23 min
